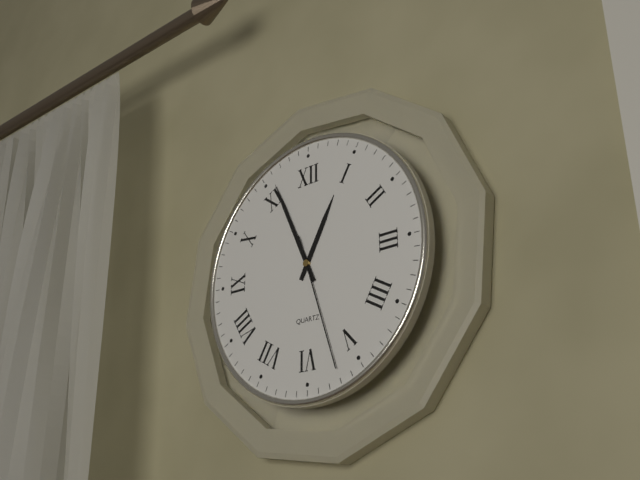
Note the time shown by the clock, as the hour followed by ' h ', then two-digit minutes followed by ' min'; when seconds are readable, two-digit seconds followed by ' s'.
12 h 56 min 27 s
